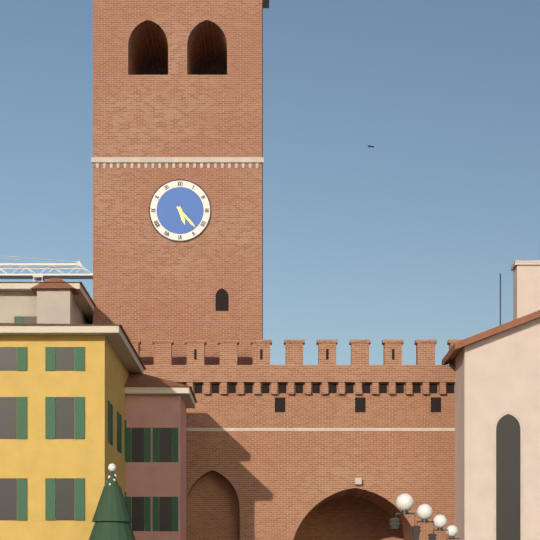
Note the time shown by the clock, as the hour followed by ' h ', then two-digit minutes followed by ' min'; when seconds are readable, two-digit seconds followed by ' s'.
5 h 23 min
